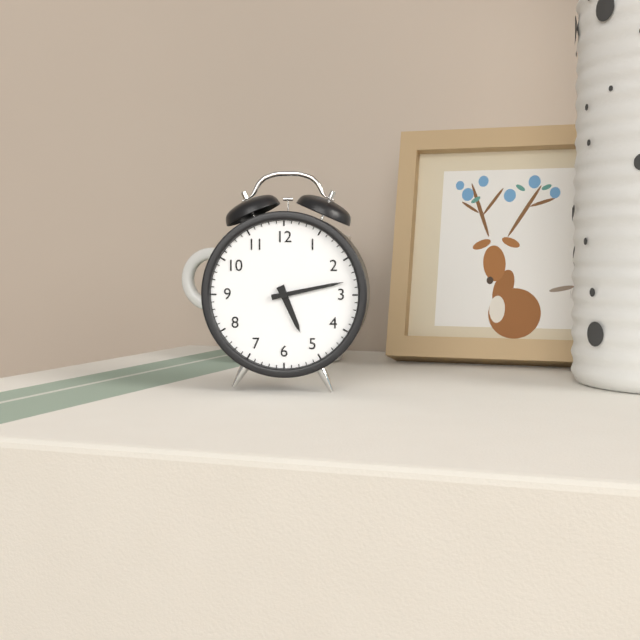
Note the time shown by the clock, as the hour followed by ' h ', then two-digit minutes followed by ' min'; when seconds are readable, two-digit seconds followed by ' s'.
5 h 13 min
